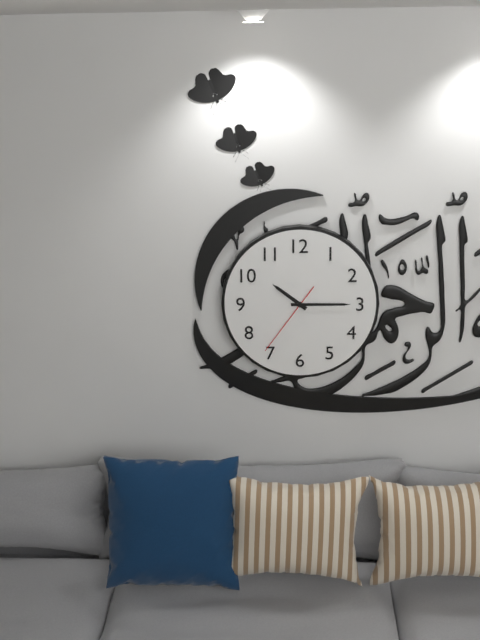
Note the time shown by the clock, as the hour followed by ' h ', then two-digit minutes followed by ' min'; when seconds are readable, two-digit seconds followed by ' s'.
10 h 15 min 36 s
